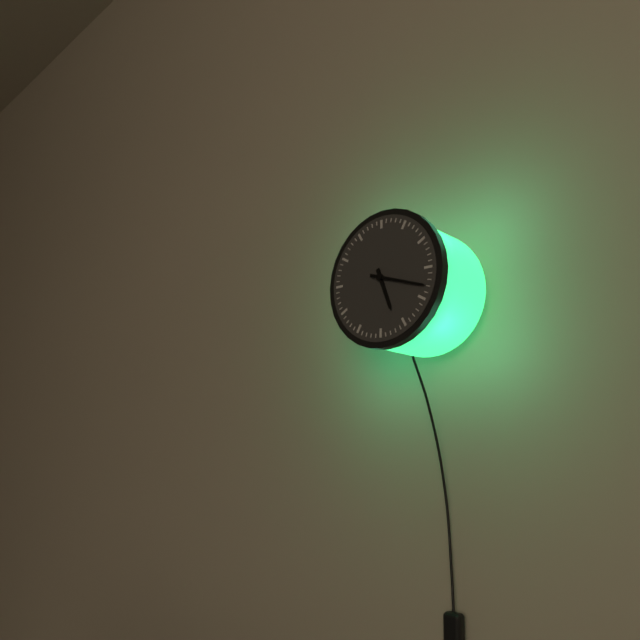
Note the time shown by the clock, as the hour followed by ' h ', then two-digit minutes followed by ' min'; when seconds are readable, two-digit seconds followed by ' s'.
5 h 18 min
